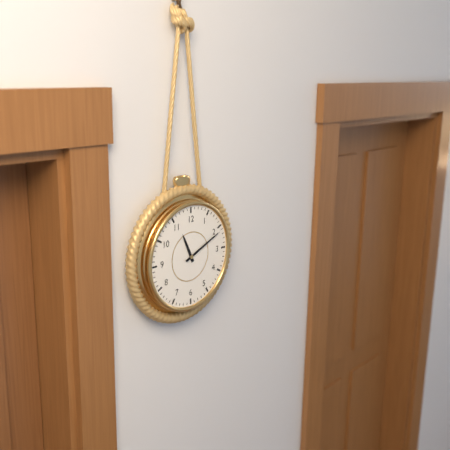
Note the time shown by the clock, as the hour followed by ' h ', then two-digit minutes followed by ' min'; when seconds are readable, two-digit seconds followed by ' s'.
11 h 11 min
